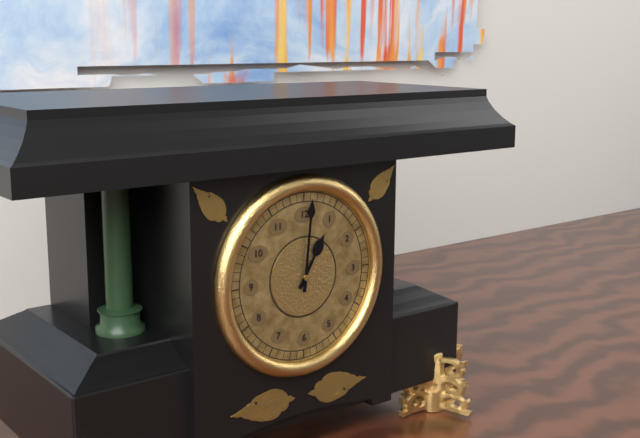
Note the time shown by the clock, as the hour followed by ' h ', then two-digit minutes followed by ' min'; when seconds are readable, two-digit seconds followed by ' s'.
1 h 01 min
